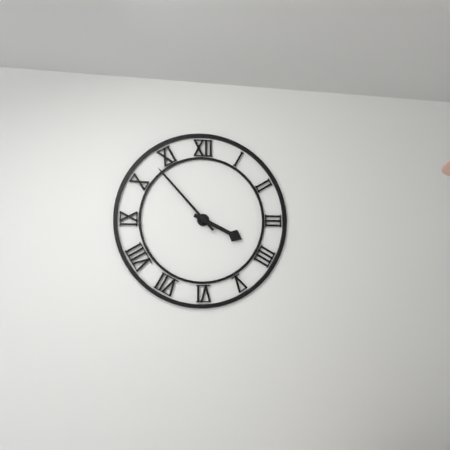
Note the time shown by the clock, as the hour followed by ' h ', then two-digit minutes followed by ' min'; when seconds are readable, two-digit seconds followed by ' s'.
3 h 53 min
